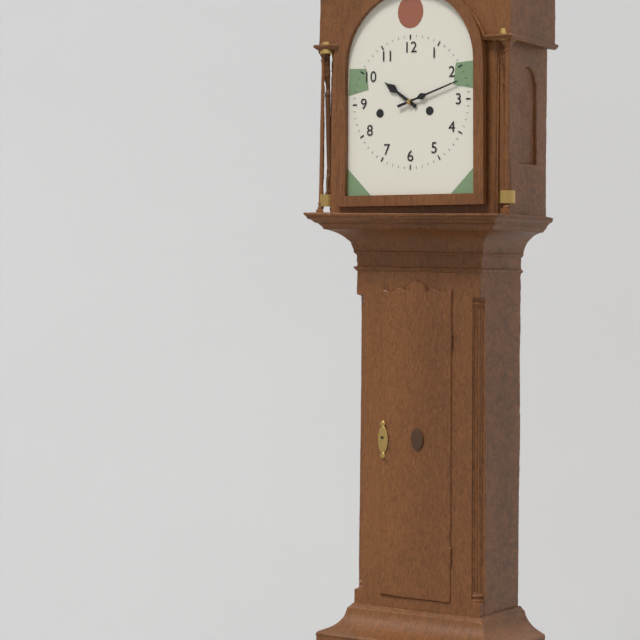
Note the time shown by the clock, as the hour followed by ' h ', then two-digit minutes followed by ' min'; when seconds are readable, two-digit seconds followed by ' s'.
10 h 12 min
